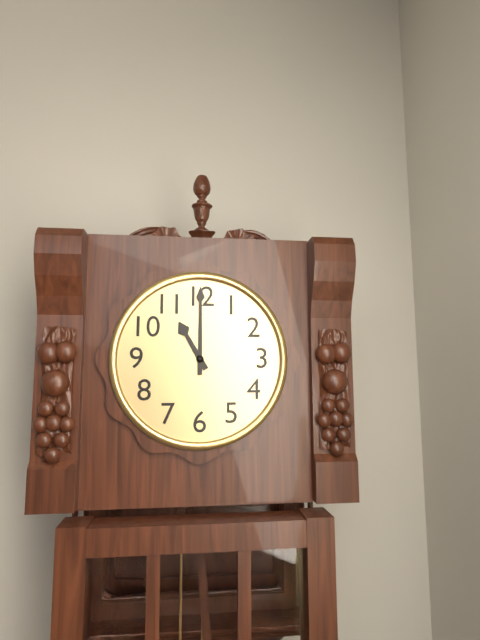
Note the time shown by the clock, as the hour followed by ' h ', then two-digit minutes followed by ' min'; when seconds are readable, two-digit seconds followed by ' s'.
11 h 00 min
